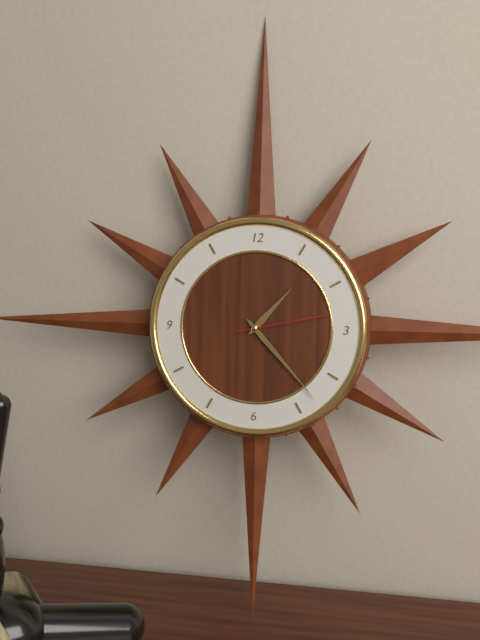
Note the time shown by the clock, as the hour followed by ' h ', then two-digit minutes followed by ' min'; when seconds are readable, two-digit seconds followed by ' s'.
1 h 23 min 13 s
